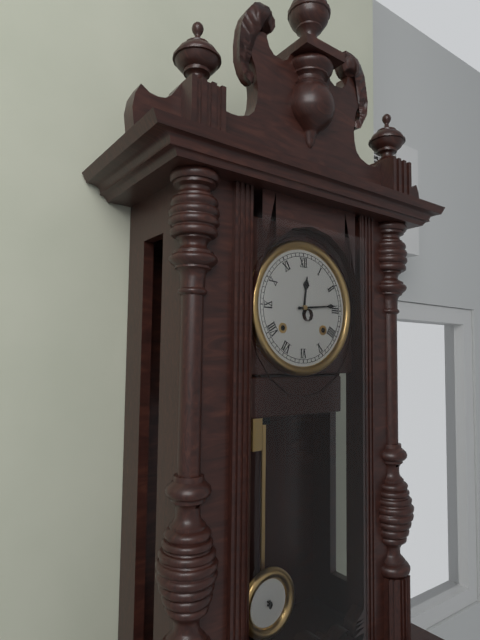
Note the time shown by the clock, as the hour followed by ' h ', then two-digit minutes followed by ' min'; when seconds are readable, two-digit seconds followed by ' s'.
12 h 14 min
